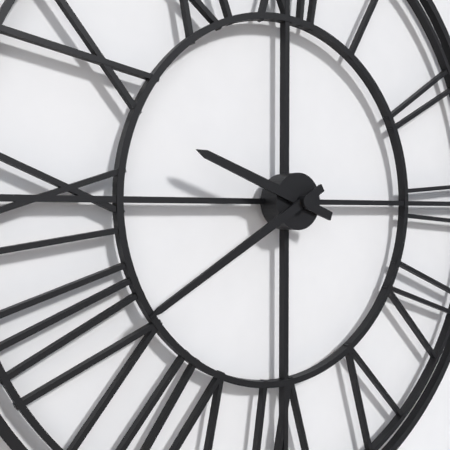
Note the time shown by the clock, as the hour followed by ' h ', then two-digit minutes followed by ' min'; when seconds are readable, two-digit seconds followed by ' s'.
9 h 40 min
